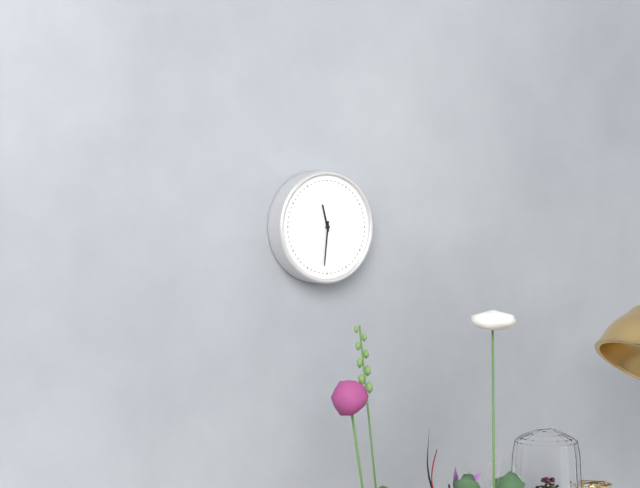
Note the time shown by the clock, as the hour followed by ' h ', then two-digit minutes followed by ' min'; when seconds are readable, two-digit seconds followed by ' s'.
11 h 31 min
